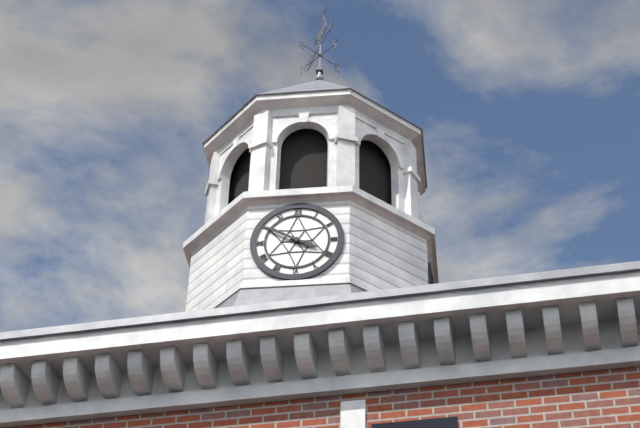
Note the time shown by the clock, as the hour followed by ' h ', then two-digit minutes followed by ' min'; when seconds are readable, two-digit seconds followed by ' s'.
3 h 50 min
